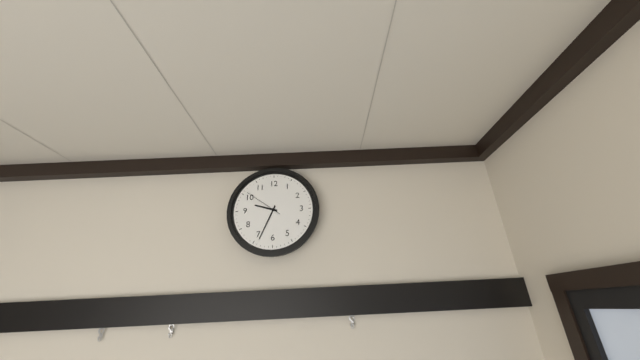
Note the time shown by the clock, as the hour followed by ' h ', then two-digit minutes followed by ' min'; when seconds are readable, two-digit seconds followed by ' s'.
9 h 34 min
